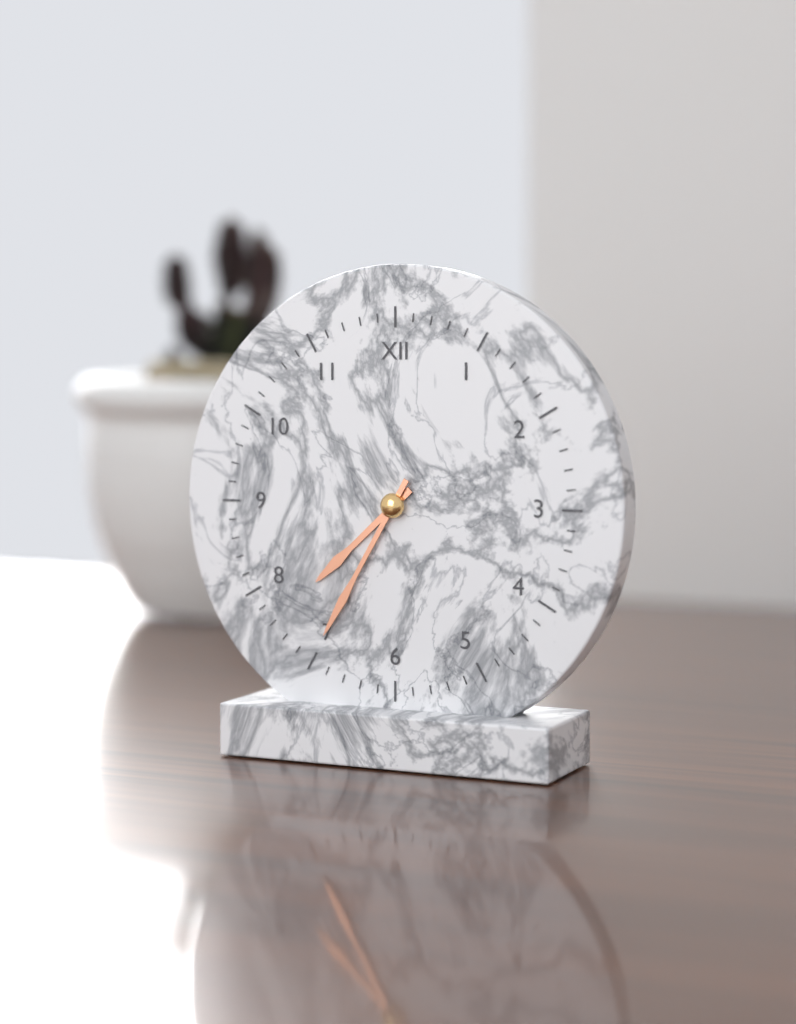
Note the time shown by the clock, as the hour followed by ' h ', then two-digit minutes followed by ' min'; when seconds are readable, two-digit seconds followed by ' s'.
7 h 35 min
